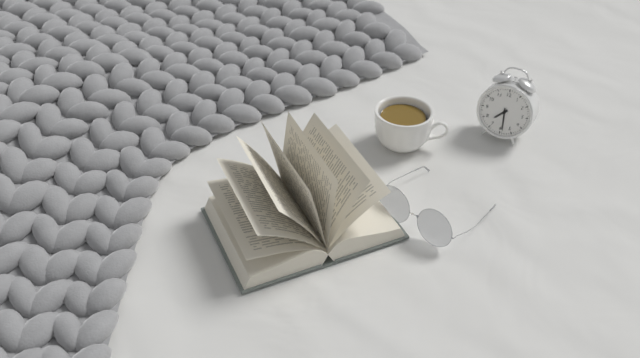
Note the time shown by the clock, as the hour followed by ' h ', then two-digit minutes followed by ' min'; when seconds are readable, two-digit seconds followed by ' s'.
7 h 29 min
